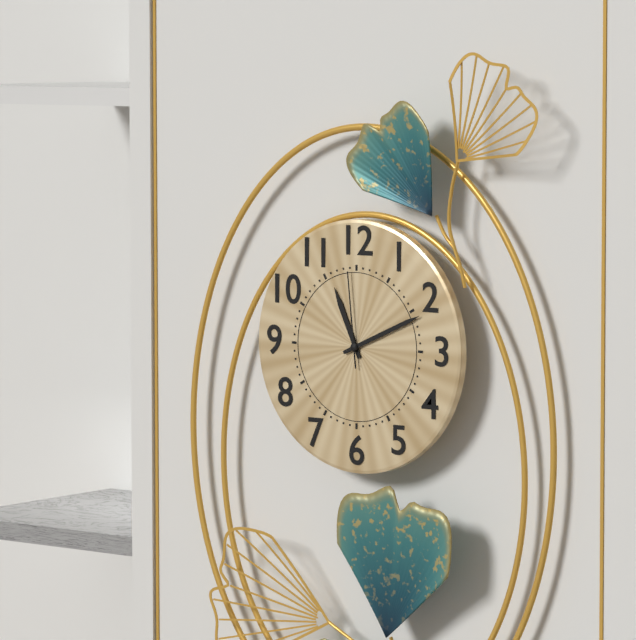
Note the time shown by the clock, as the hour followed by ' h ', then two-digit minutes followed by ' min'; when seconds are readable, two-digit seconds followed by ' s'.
11 h 11 min 59 s
